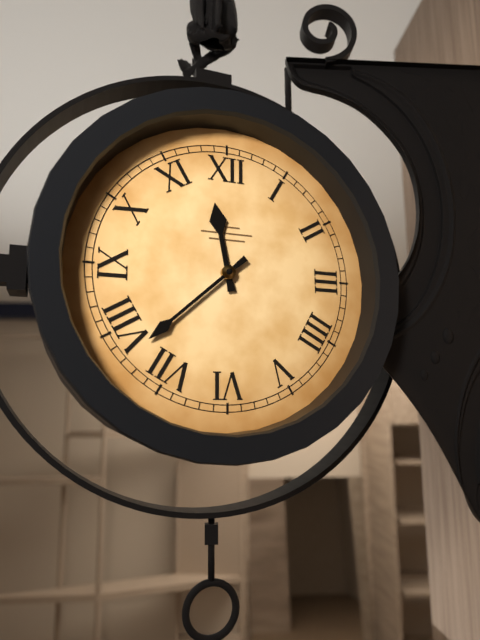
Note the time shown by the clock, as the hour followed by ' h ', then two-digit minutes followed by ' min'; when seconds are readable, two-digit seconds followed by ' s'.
11 h 38 min
